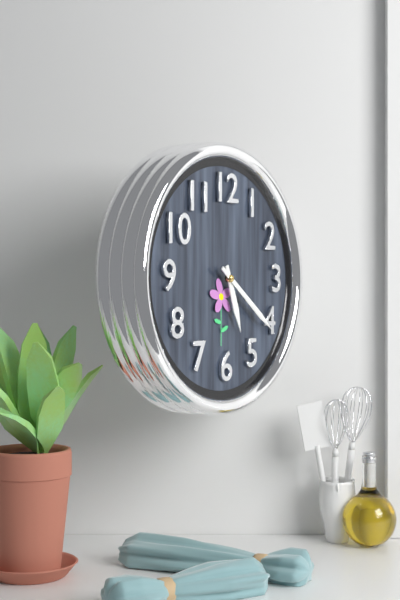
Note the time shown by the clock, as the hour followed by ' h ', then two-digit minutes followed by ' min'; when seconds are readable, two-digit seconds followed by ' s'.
5 h 21 min
